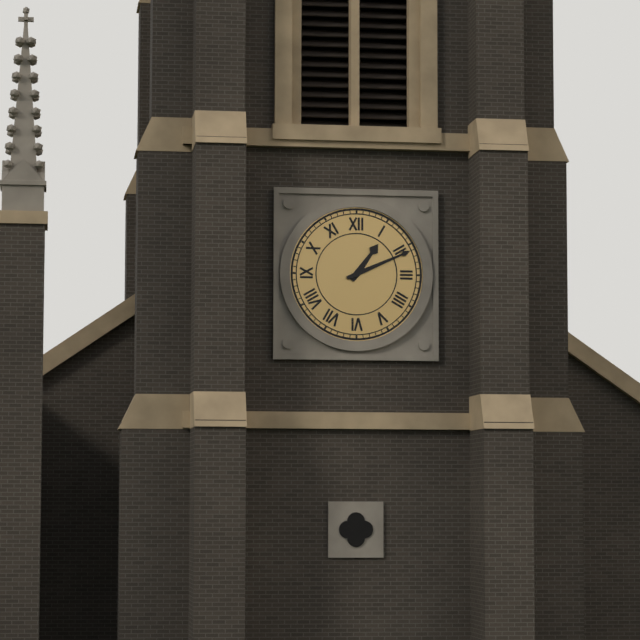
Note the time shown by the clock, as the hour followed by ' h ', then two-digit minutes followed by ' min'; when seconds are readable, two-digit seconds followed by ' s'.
1 h 11 min
